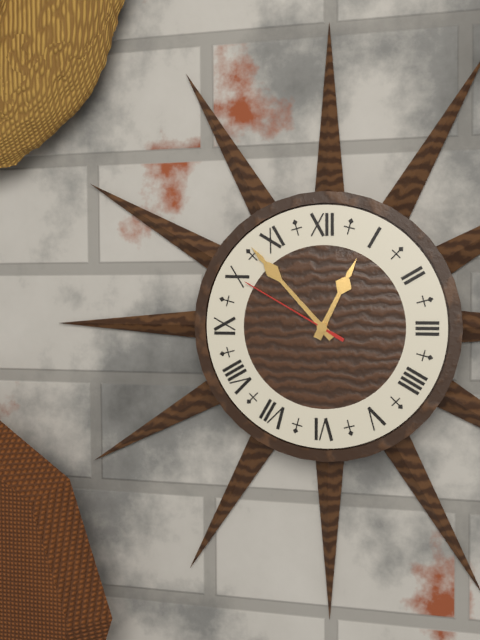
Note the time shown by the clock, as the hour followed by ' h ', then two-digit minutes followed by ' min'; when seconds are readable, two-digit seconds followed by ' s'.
12 h 53 min 50 s
